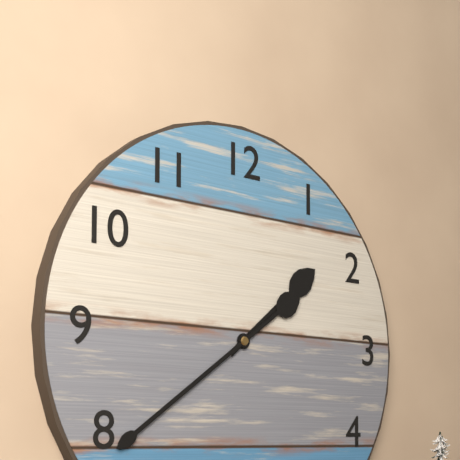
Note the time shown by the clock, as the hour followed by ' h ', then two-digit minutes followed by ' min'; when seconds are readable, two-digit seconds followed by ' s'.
1 h 39 min
